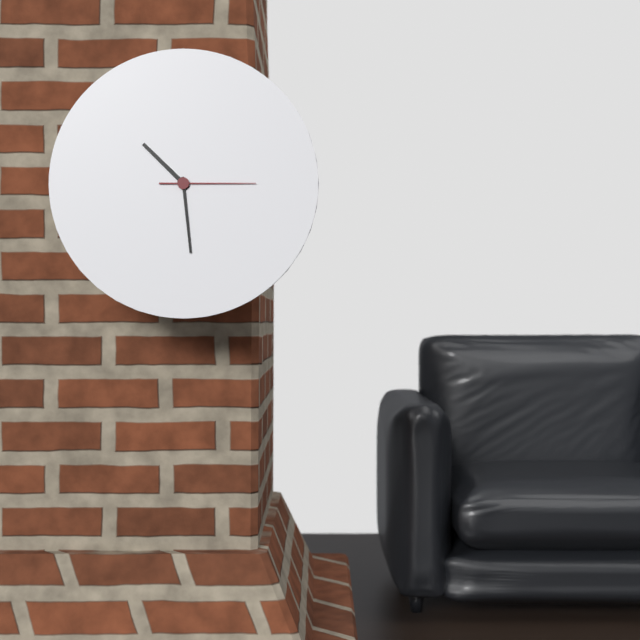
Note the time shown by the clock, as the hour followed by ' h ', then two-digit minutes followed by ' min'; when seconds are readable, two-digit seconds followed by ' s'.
10 h 29 min 15 s
